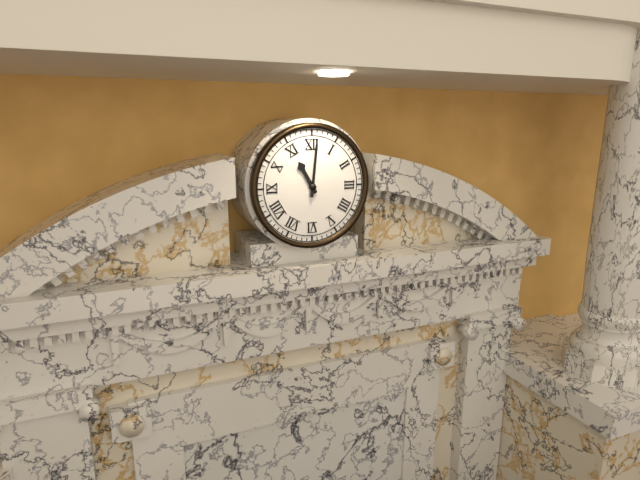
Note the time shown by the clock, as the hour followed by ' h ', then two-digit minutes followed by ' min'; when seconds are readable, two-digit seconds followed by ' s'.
11 h 01 min
